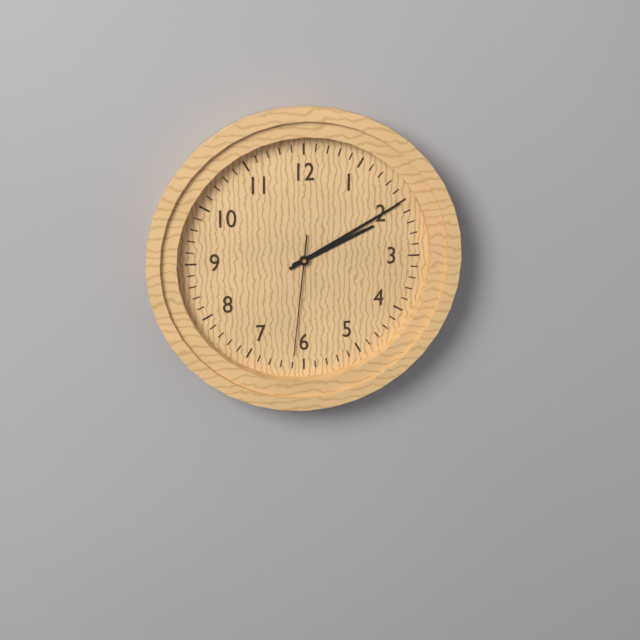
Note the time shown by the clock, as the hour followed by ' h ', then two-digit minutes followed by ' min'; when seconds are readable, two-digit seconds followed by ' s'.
2 h 10 min 31 s
